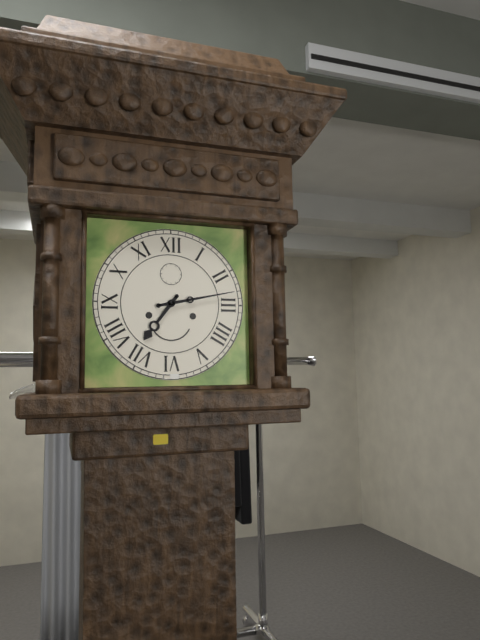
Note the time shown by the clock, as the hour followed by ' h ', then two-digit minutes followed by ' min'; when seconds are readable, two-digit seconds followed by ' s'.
7 h 13 min
